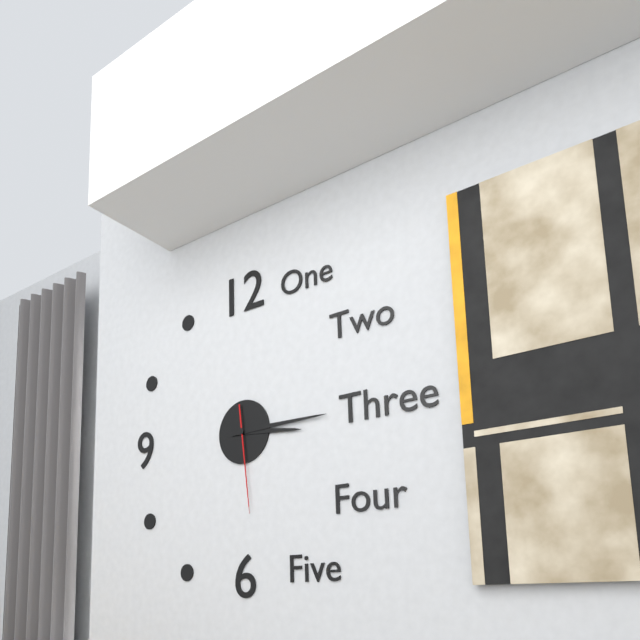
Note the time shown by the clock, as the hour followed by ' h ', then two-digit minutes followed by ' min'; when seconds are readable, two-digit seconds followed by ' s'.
3 h 15 min 29 s
